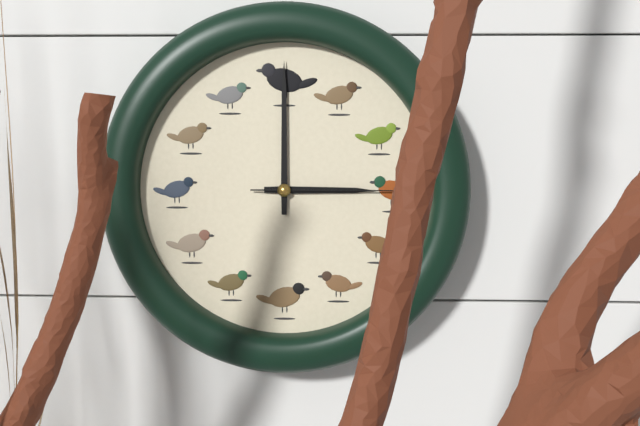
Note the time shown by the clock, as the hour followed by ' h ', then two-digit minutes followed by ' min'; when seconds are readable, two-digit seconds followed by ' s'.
3 h 00 min 15 s
